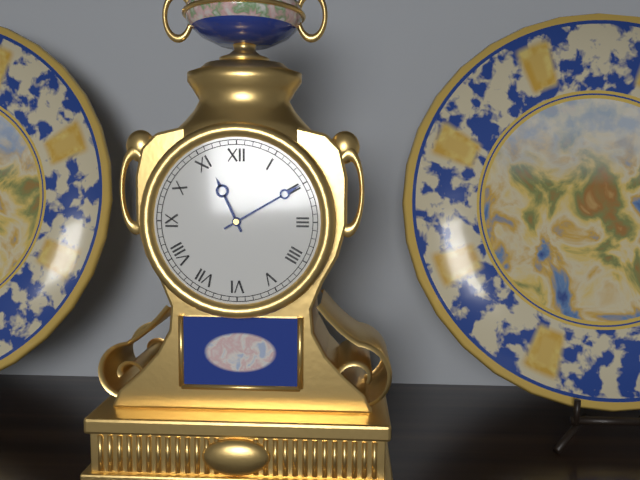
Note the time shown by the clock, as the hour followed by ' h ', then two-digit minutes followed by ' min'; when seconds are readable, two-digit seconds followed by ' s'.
11 h 10 min
